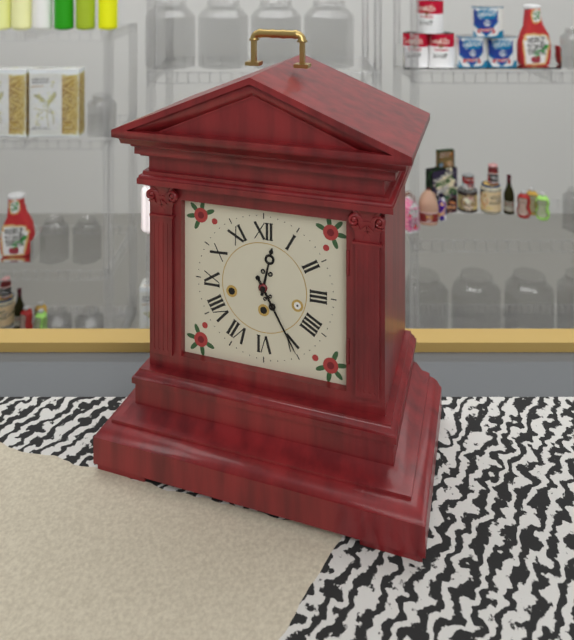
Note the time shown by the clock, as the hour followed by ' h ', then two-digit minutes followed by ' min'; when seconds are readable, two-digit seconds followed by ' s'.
12 h 25 min
